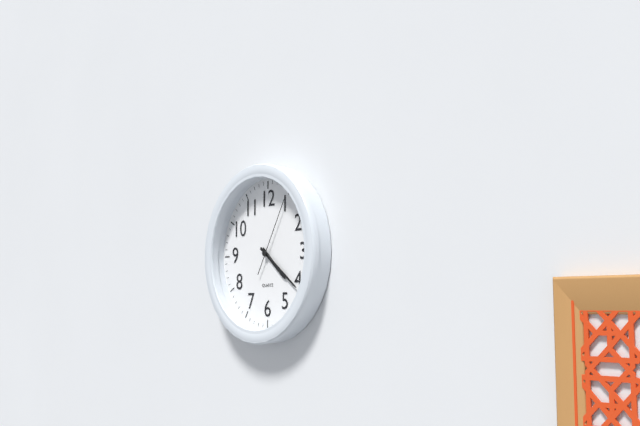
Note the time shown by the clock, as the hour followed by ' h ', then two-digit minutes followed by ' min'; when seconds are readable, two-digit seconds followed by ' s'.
4 h 21 min 05 s
